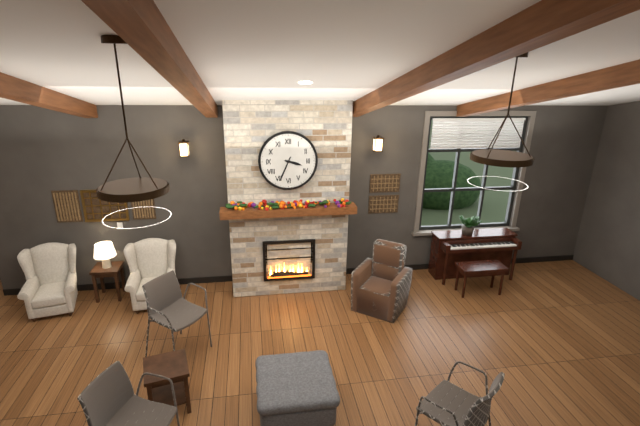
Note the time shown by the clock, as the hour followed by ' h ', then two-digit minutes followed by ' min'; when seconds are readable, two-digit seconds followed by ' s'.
3 h 34 min
